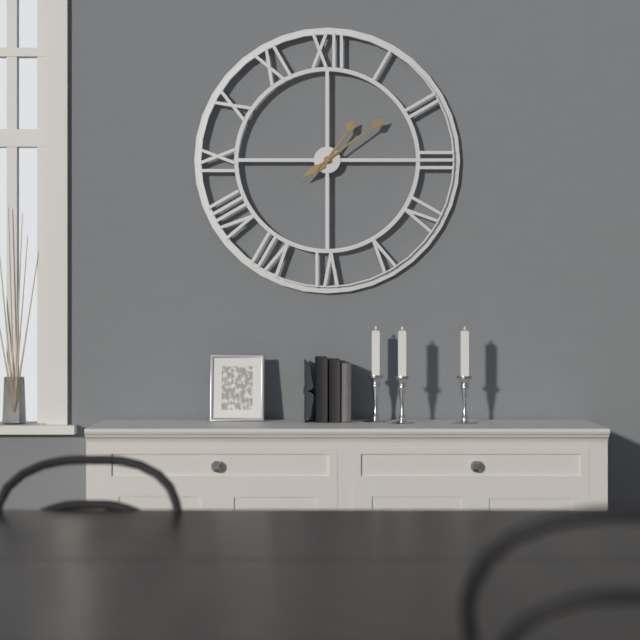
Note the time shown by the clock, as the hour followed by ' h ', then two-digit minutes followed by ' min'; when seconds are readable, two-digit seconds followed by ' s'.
1 h 09 min
